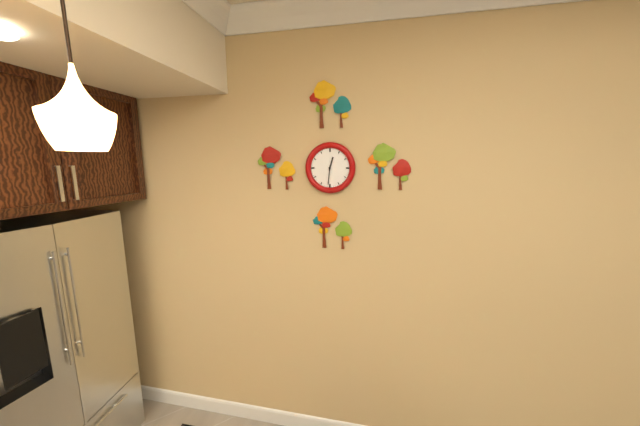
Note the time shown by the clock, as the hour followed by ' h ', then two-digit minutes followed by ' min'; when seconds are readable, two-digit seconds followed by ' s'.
12 h 31 min
